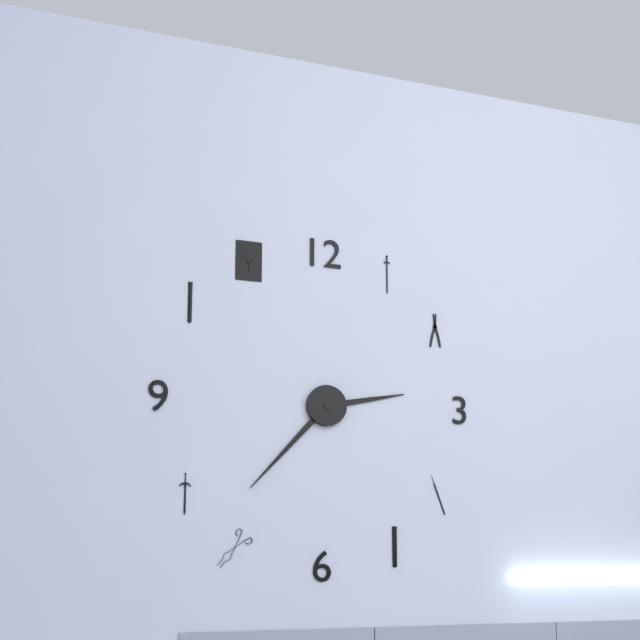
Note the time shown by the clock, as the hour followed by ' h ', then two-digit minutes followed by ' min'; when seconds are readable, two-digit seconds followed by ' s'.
2 h 37 min
